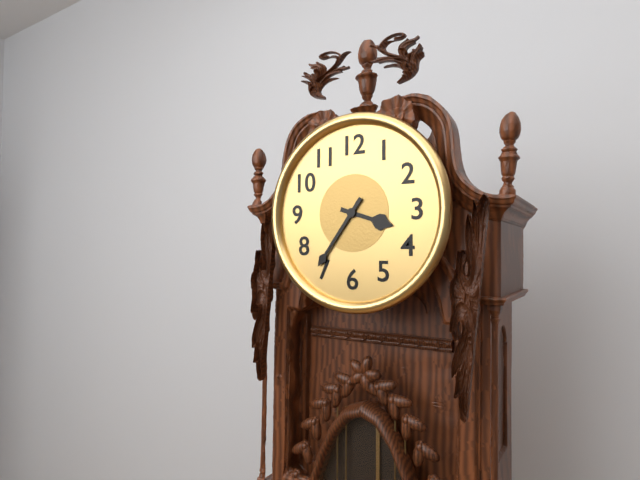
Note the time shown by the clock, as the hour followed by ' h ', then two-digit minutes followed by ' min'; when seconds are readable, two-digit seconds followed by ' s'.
3 h 36 min
